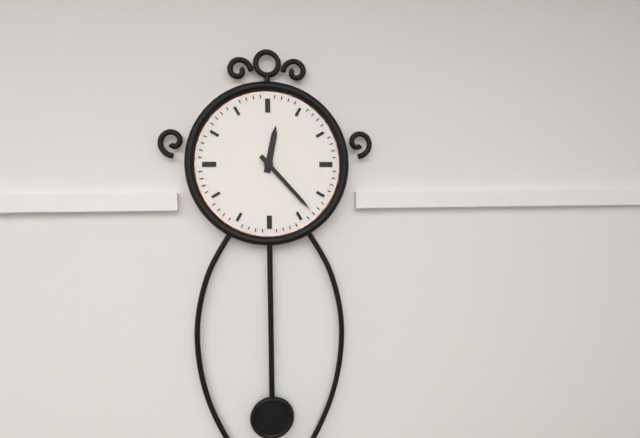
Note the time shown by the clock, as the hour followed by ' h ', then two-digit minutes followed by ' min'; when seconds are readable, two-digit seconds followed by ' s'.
12 h 23 min
